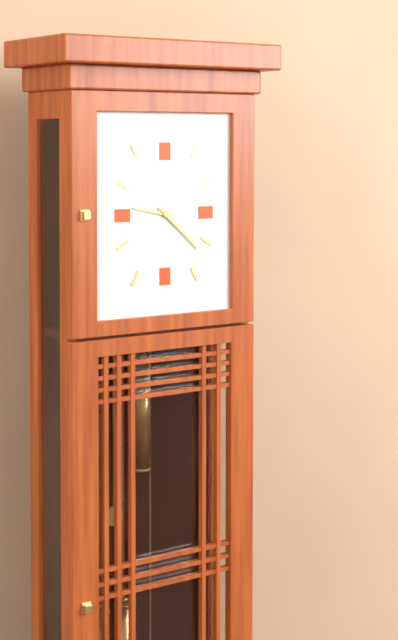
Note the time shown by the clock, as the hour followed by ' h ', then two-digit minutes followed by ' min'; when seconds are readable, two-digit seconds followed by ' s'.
9 h 22 min
